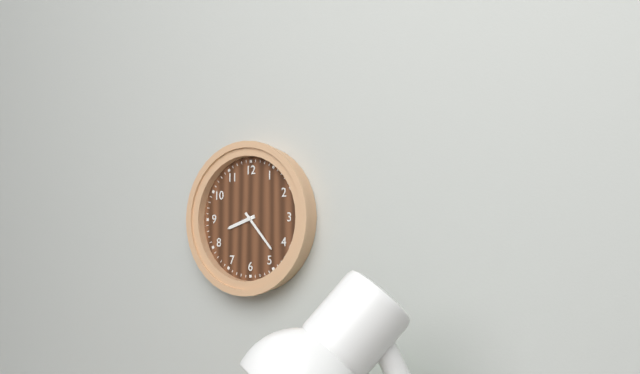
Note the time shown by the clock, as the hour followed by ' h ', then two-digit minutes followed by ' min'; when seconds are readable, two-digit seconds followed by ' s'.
8 h 23 min
